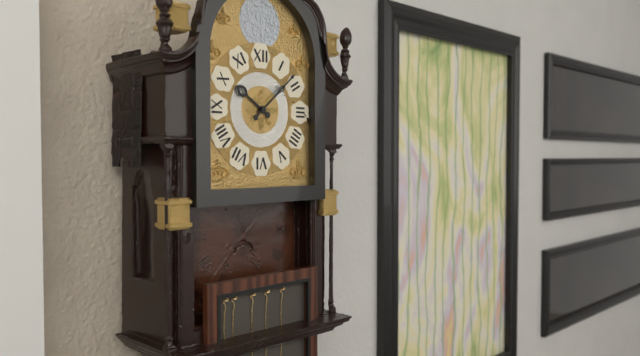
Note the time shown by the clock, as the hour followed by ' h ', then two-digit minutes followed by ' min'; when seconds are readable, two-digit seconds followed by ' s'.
10 h 08 min
